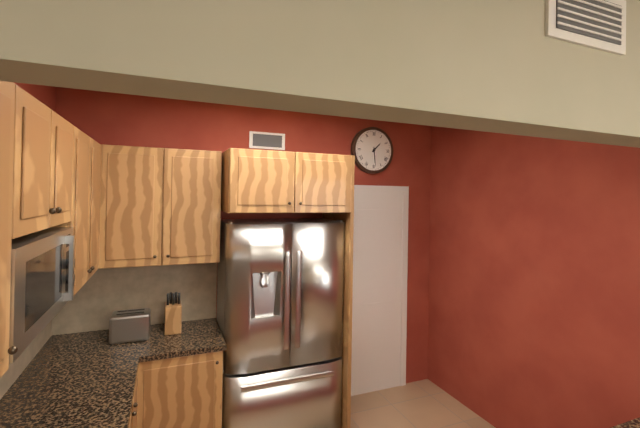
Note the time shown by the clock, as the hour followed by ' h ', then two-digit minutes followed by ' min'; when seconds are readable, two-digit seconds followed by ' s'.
1 h 29 min
